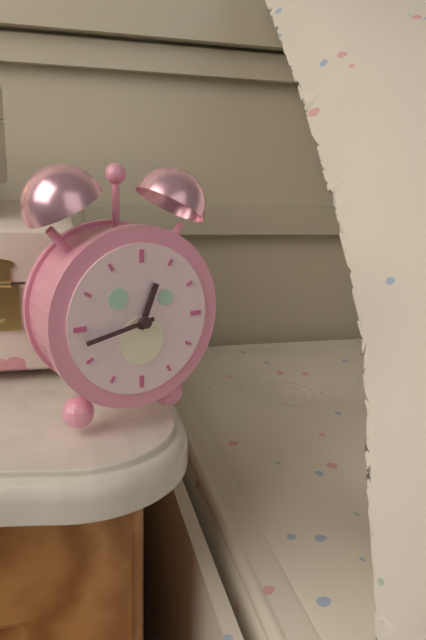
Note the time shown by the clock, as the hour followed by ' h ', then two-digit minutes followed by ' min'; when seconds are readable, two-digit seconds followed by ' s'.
12 h 43 min
